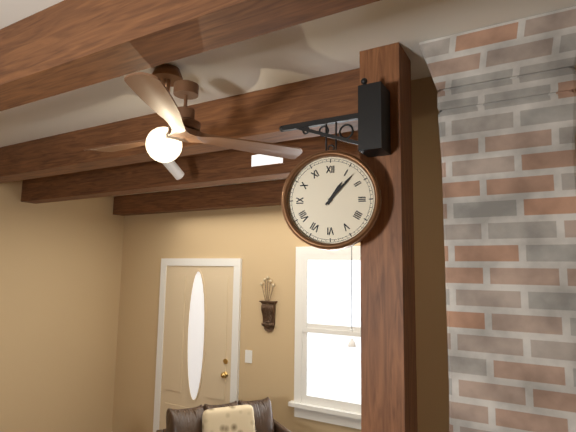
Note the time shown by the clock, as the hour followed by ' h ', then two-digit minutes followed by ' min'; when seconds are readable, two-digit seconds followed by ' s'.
1 h 07 min
